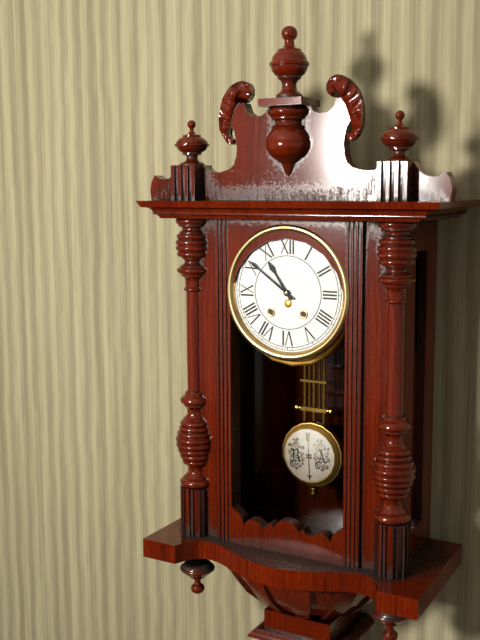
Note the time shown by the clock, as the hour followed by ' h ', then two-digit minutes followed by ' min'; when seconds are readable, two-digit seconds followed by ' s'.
10 h 51 min
